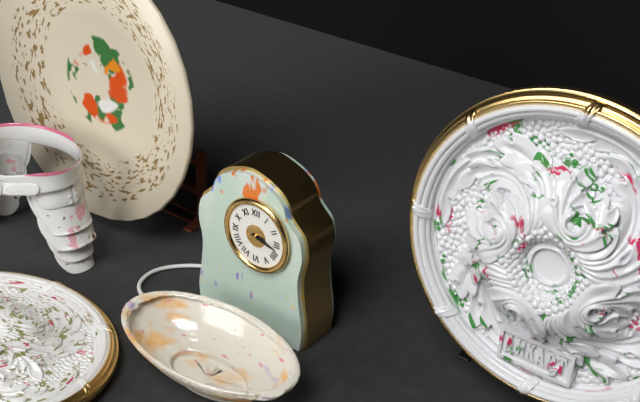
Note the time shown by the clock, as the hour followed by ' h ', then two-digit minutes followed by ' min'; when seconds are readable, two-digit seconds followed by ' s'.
3 h 17 min
